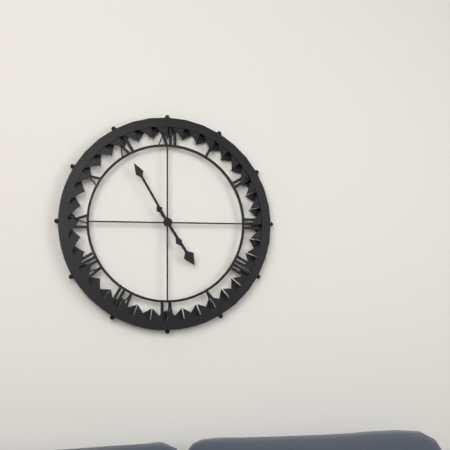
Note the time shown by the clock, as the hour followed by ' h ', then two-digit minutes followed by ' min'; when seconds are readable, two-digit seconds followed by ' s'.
4 h 55 min
